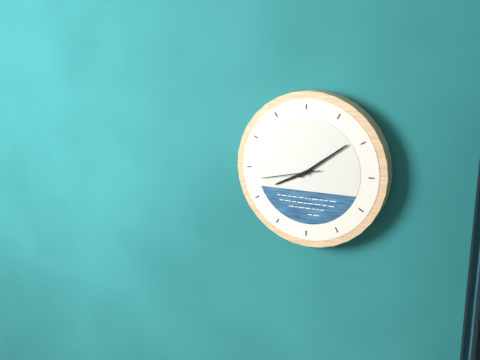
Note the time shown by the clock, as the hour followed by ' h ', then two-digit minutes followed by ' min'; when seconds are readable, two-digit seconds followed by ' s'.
8 h 09 min 43 s
